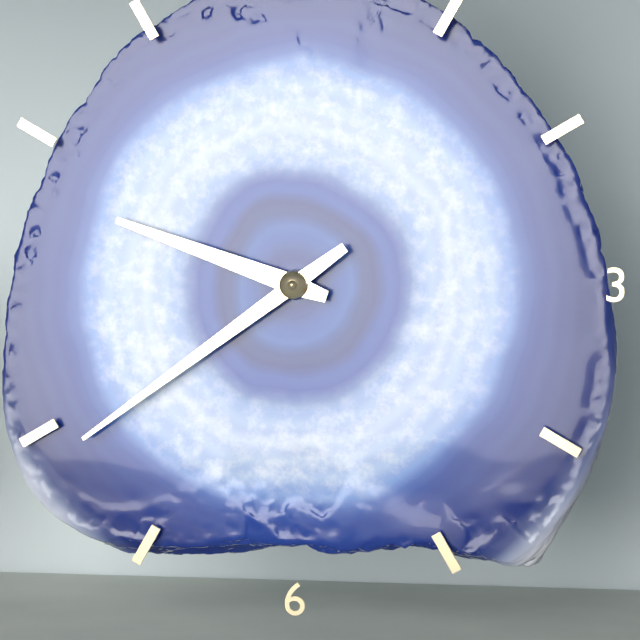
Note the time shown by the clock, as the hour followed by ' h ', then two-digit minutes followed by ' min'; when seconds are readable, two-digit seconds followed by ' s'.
9 h 39 min
